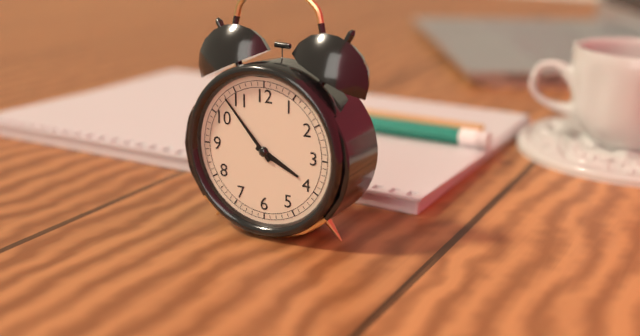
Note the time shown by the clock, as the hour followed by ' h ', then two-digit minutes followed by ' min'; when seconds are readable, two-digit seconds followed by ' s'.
3 h 53 min
